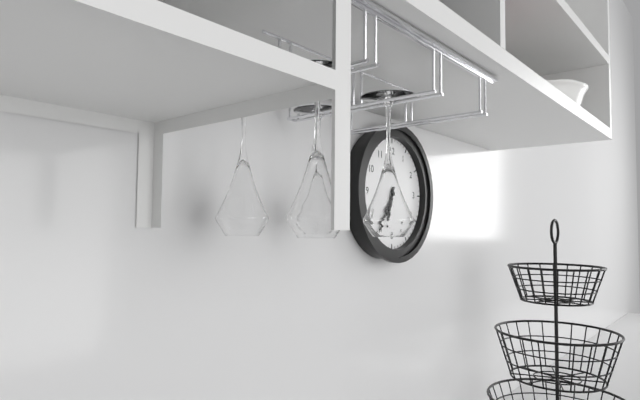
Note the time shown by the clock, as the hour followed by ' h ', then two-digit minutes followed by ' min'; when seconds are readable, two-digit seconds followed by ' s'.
6 h 36 min
